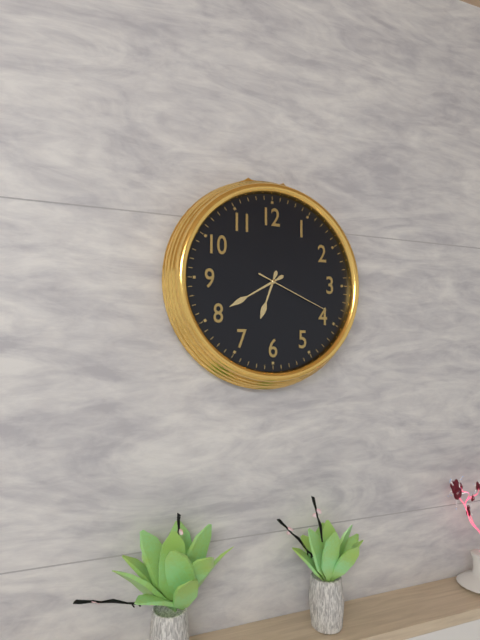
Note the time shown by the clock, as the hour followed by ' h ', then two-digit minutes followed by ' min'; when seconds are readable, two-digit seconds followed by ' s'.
6 h 40 min 19 s
